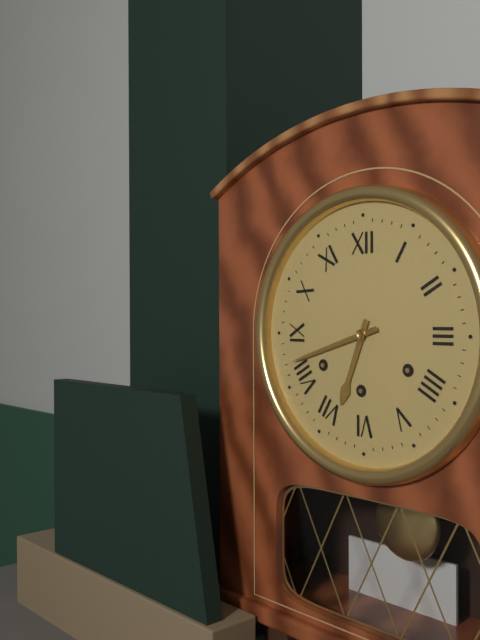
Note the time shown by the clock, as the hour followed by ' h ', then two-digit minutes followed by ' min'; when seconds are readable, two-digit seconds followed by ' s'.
6 h 42 min
